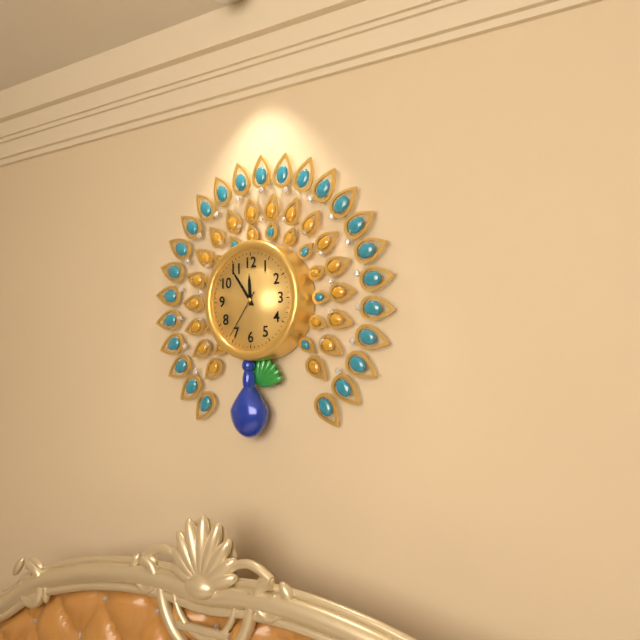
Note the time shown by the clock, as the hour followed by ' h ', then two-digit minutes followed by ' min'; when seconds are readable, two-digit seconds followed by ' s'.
11 h 54 min 36 s
